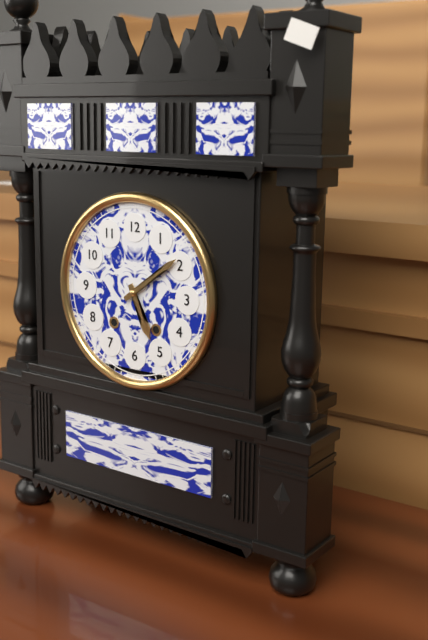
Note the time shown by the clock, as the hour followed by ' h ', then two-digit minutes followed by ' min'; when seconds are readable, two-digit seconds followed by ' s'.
5 h 09 min
